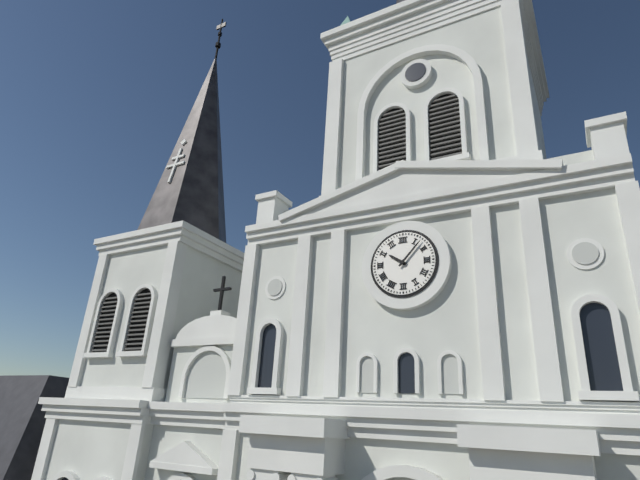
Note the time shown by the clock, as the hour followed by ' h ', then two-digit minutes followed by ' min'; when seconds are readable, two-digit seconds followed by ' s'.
10 h 07 min
